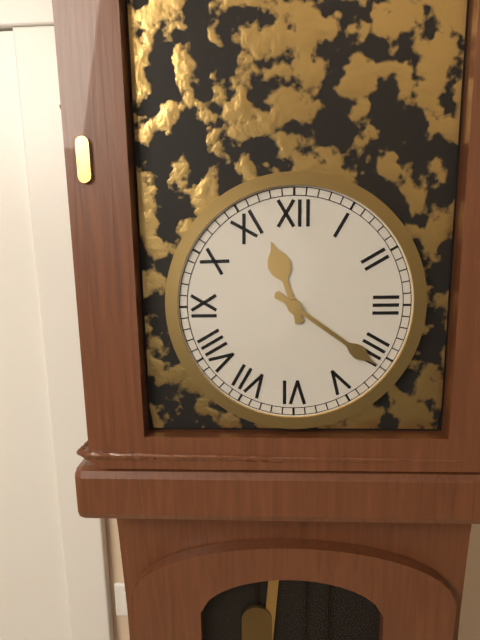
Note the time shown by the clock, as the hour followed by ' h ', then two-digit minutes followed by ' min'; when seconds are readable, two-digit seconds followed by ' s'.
11 h 21 min
